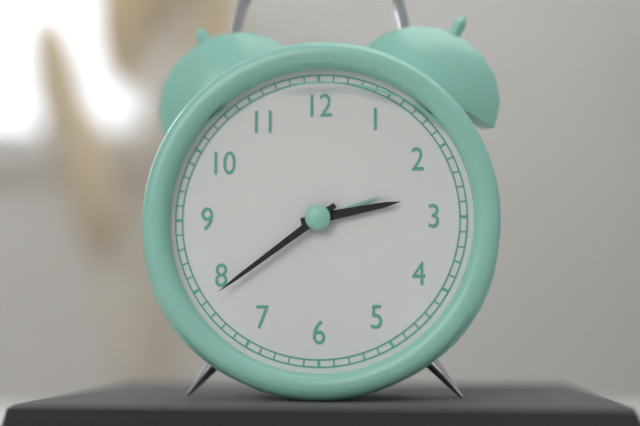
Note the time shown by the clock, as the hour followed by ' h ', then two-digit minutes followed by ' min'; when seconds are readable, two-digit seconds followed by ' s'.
2 h 39 min
